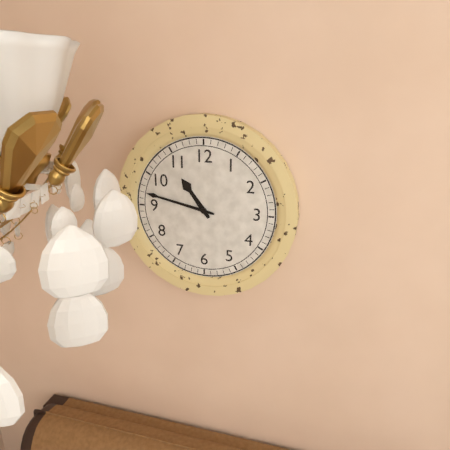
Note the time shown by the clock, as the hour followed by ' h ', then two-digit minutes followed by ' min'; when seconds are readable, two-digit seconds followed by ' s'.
10 h 47 min
